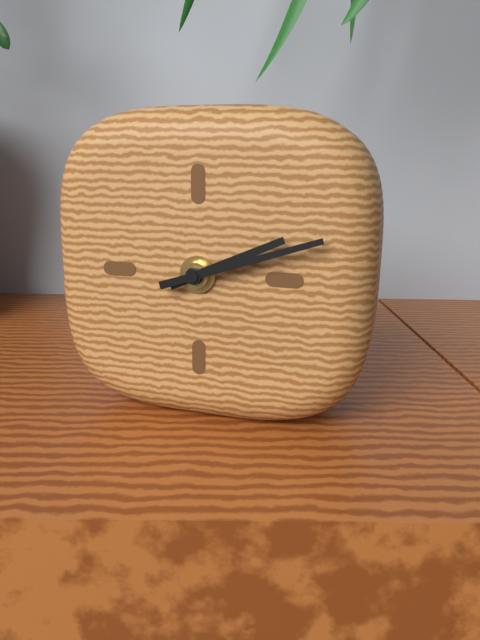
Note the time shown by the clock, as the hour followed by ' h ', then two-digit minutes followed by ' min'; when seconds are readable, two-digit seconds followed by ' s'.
2 h 12 min
